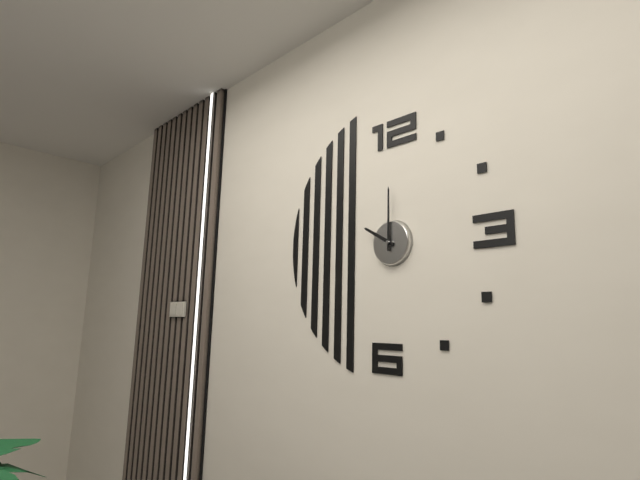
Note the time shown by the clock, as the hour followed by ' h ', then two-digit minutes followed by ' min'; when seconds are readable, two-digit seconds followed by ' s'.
10 h 00 min
